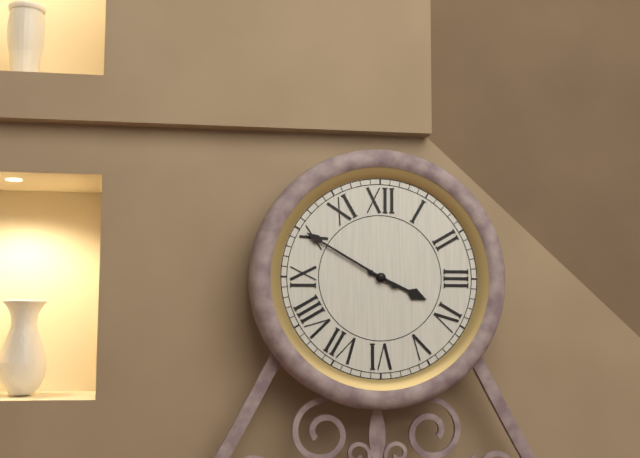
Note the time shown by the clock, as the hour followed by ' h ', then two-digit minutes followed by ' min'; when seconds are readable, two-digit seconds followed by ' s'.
3 h 50 min
